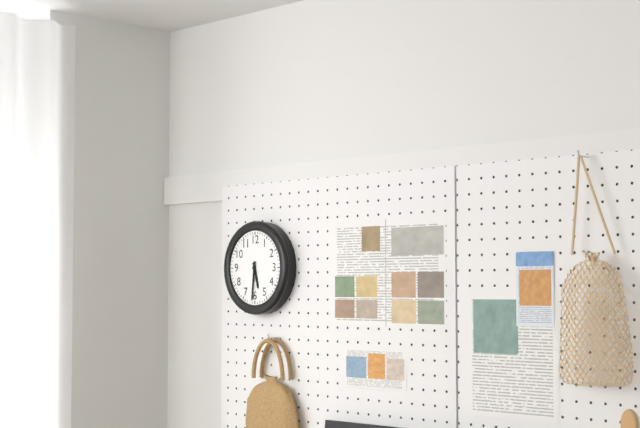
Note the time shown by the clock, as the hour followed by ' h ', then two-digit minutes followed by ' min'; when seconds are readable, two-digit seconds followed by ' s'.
5 h 31 min
